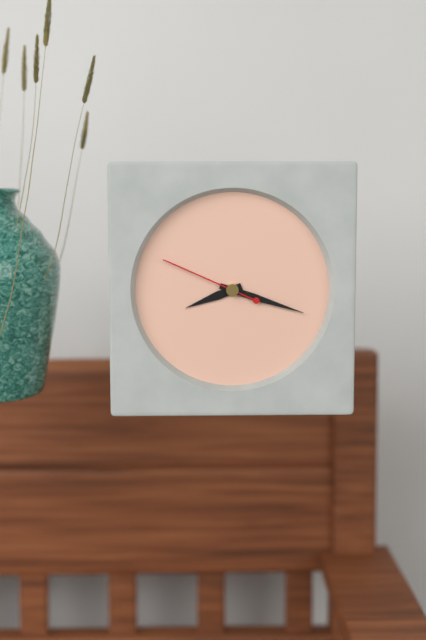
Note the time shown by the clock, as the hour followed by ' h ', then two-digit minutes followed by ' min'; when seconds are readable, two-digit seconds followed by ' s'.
8 h 18 min 49 s
